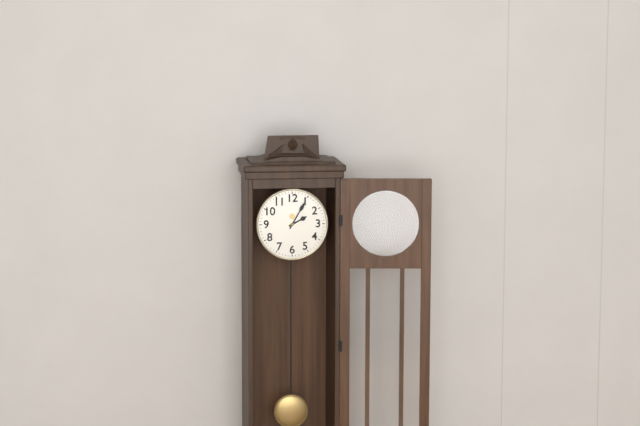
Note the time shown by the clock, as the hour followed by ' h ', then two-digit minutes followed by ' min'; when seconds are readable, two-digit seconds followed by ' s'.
2 h 05 min
